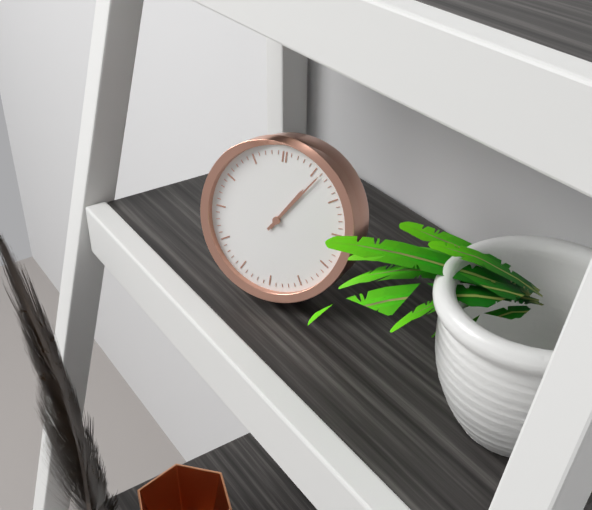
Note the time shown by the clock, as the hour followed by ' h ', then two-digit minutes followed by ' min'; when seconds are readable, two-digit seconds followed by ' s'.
1 h 06 min
